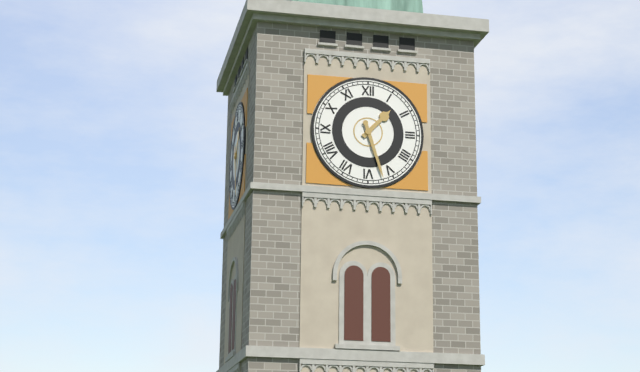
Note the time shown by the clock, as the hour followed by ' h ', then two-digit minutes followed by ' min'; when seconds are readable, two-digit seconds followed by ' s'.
1 h 27 min
